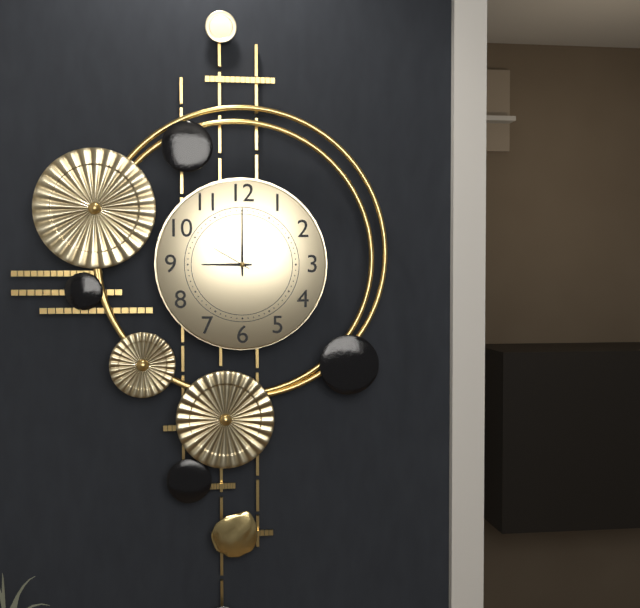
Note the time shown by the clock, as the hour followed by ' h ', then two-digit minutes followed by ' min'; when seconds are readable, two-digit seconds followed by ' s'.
9 h 00 min
